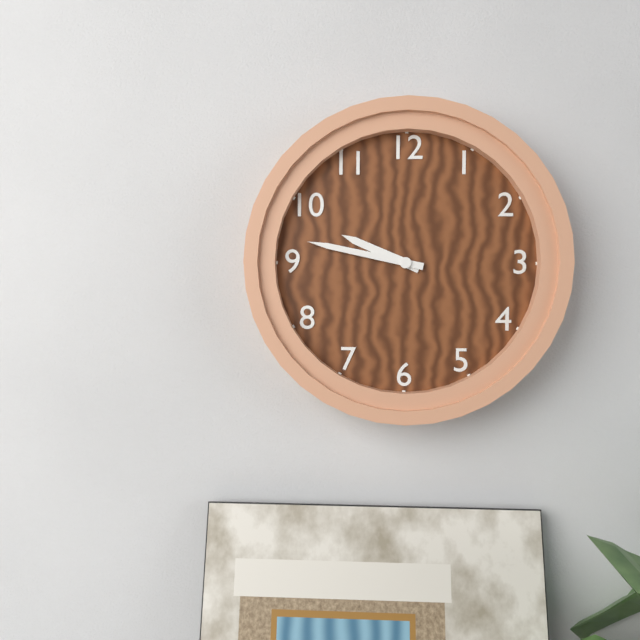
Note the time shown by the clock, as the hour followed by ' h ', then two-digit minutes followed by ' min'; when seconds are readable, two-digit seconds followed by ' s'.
9 h 47 min
